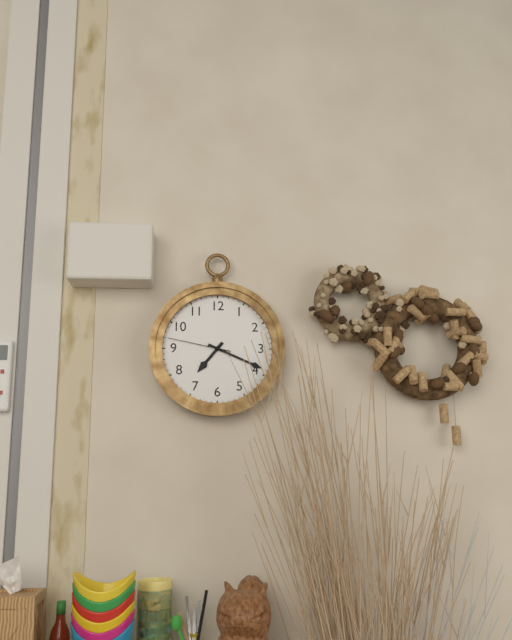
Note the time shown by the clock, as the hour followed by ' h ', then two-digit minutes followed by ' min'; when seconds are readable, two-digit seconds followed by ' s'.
7 h 19 min 47 s
